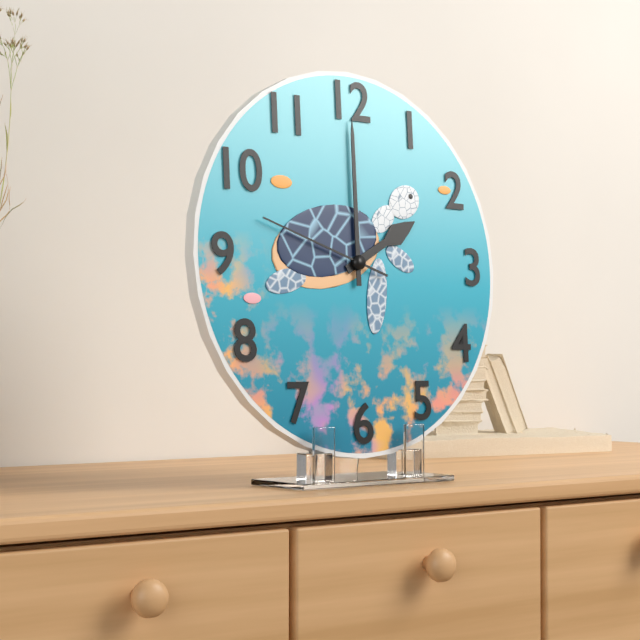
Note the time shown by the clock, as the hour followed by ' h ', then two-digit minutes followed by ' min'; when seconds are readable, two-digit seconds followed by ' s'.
2 h 00 min 48 s
